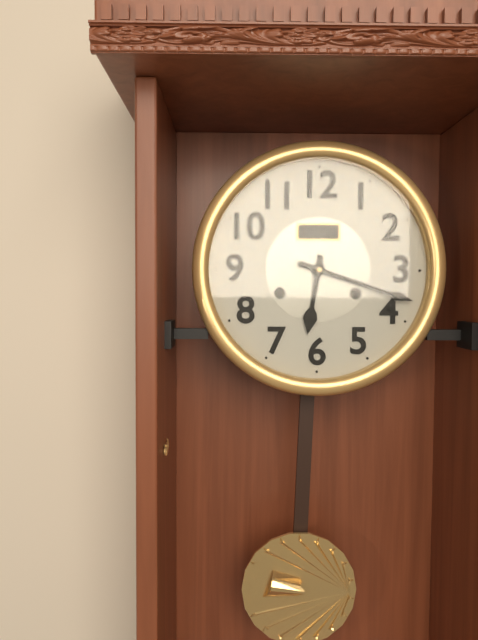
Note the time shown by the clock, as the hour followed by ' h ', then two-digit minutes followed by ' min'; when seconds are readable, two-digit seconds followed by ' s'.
6 h 18 min
